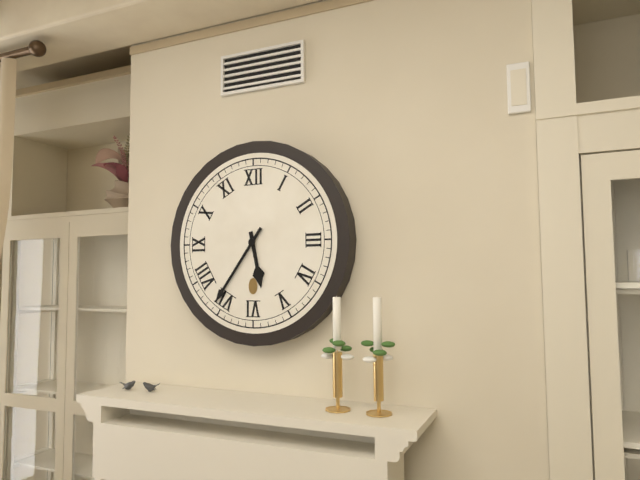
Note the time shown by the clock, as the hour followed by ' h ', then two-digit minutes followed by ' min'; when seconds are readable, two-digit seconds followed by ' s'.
5 h 36 min
